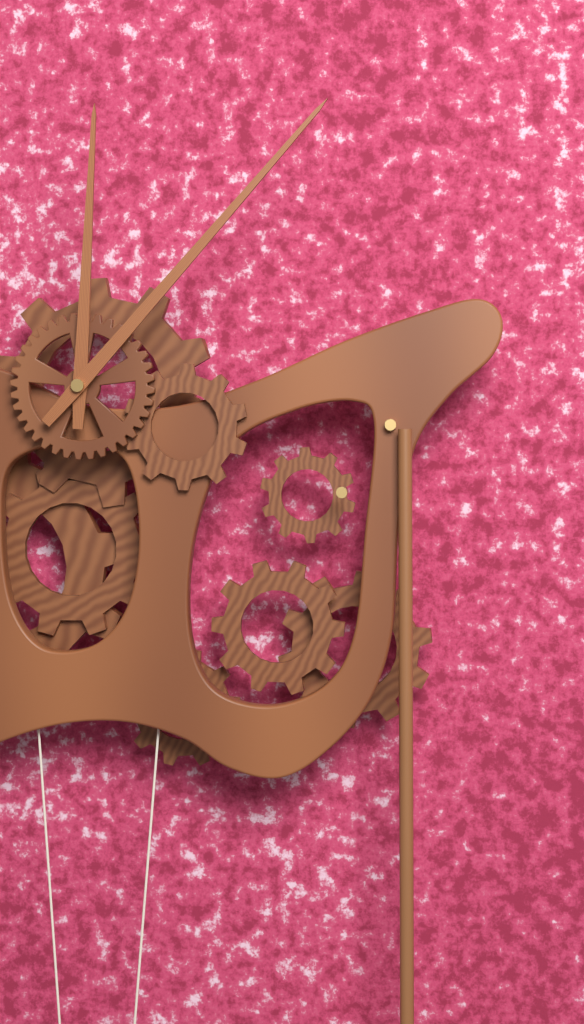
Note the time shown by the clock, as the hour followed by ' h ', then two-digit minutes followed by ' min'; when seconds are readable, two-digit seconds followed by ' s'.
12 h 07 min
